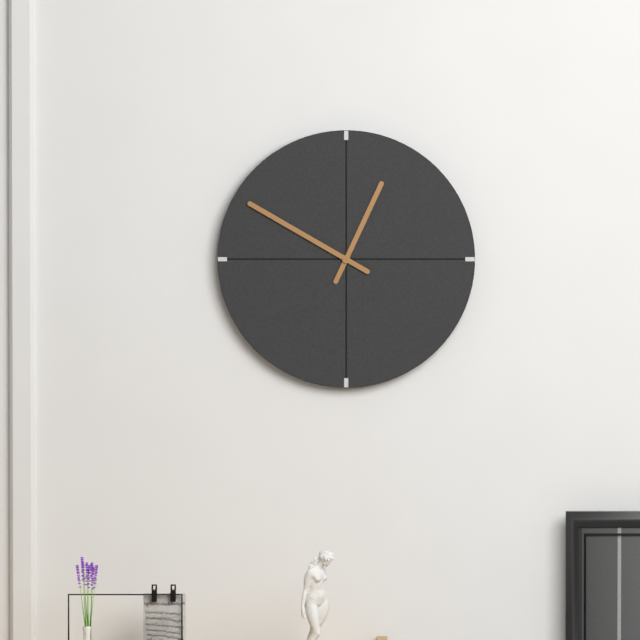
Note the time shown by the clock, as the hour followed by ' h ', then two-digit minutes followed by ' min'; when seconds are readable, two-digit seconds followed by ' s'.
12 h 50 min
